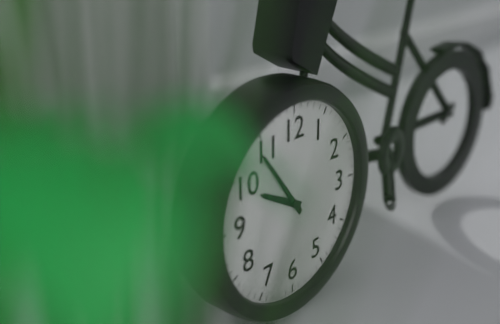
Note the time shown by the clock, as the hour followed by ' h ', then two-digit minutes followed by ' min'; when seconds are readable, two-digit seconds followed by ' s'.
9 h 54 min
